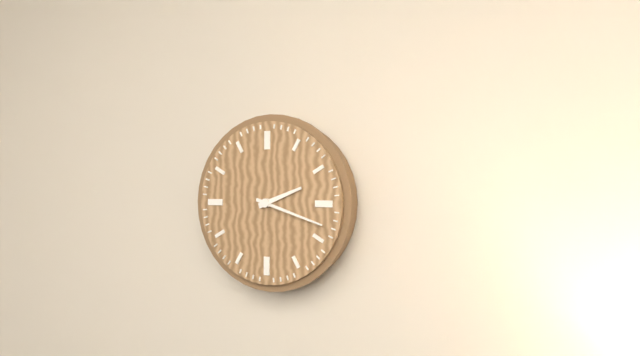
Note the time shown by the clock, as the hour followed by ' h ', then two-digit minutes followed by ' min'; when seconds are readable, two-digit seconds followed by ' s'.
2 h 18 min
